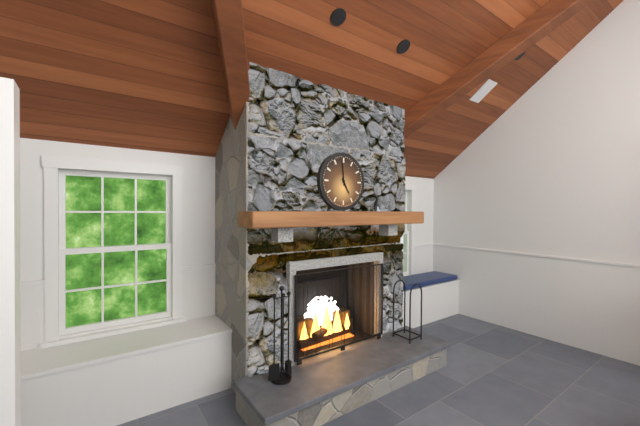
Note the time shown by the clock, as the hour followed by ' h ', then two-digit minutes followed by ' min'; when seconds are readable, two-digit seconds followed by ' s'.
4 h 59 min
